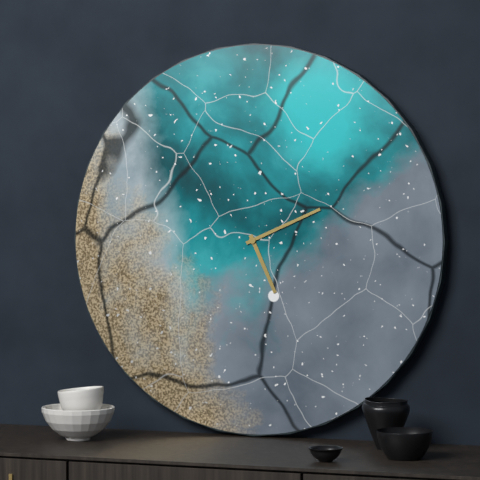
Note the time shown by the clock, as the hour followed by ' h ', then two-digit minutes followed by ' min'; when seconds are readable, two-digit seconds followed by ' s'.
5 h 11 min
